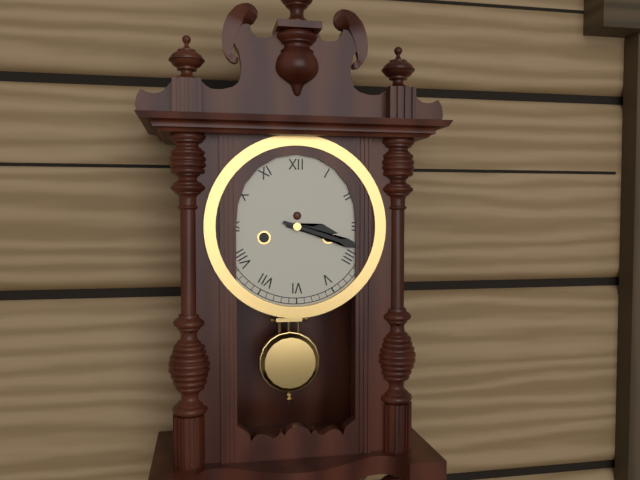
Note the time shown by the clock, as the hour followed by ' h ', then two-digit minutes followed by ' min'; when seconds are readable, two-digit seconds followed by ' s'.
3 h 18 min
